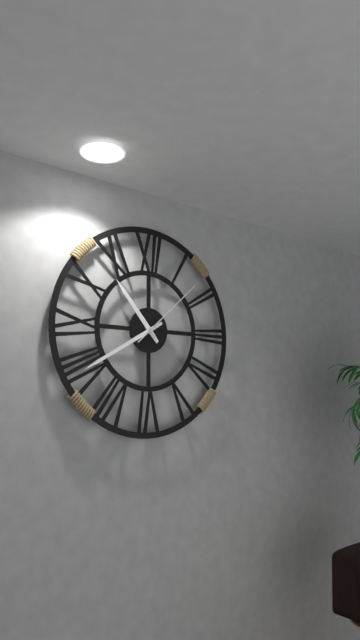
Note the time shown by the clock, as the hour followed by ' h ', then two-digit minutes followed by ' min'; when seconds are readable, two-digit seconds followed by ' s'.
10 h 40 min 08 s
